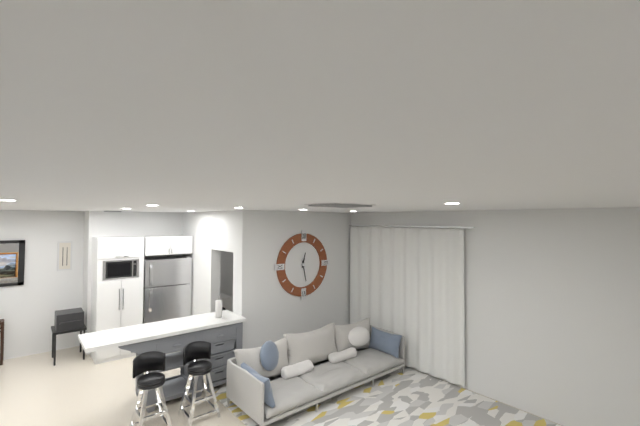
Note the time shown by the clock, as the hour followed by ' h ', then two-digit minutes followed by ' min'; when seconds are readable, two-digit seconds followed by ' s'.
12 h 28 min
